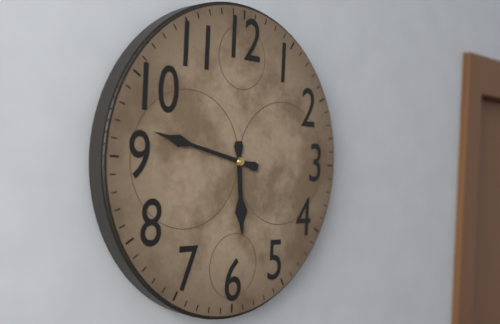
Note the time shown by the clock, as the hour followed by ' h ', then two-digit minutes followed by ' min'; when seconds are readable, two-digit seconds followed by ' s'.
5 h 47 min
